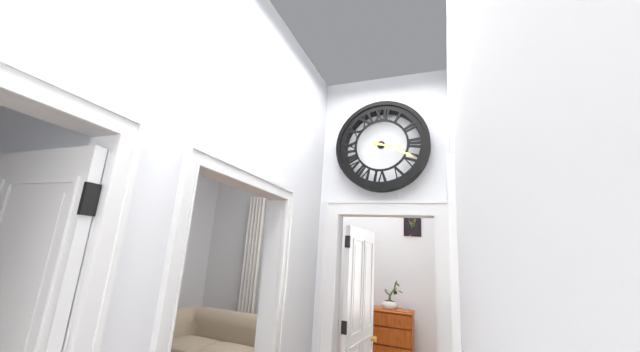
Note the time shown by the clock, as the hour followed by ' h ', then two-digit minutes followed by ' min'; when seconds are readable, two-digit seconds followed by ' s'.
3 h 19 min
